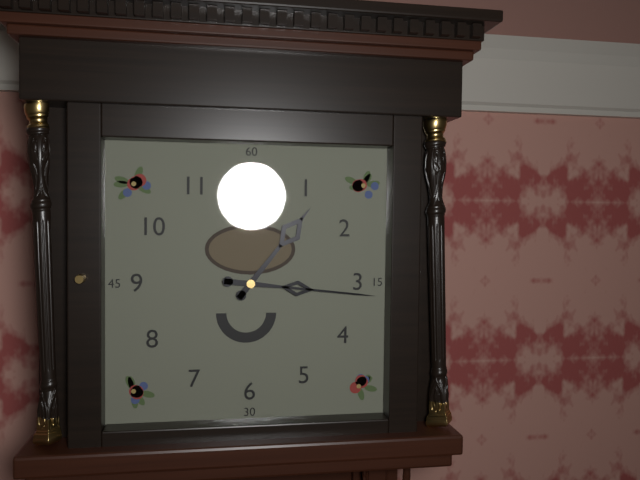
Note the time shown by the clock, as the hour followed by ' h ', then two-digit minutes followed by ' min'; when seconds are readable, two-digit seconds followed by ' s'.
1 h 16 min
